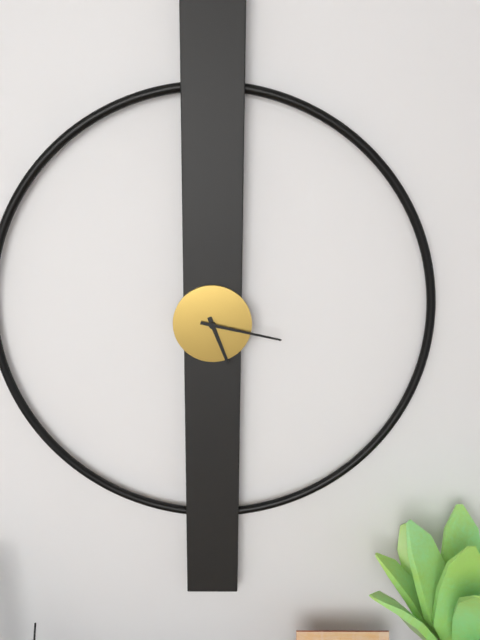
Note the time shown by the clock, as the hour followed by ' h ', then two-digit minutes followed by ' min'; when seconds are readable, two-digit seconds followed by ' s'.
5 h 17 min
